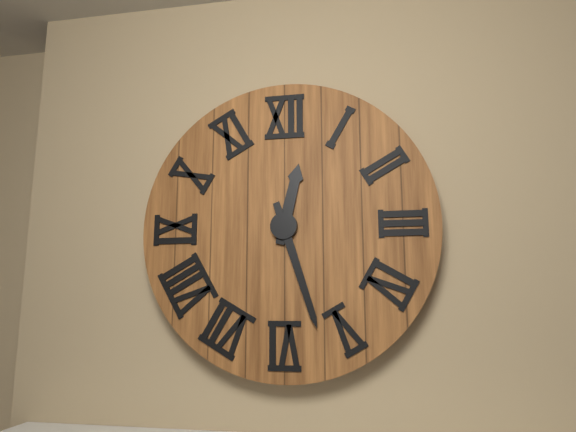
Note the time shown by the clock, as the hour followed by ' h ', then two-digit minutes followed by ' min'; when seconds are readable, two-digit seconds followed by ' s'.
12 h 27 min
